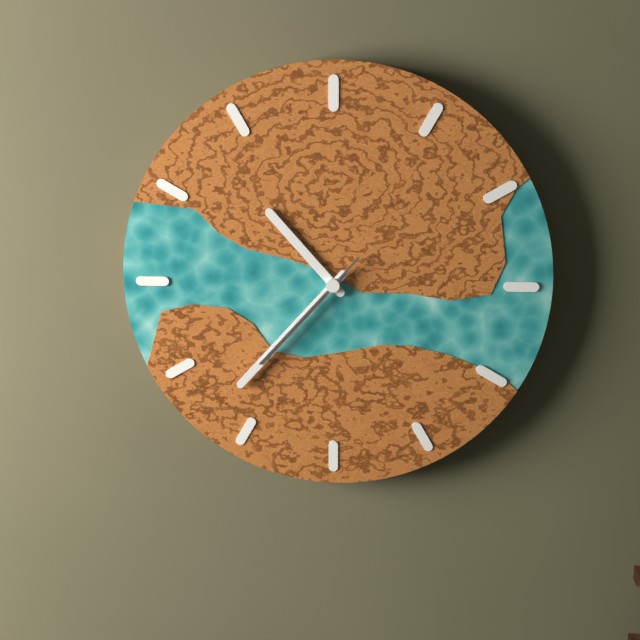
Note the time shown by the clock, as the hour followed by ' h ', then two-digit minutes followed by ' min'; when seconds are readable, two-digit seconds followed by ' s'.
10 h 37 min 37 s
